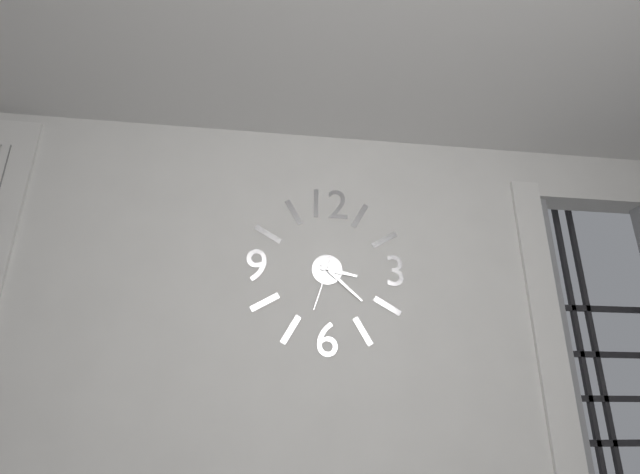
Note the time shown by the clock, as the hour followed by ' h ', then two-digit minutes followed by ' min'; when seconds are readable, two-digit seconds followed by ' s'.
3 h 22 min 33 s
